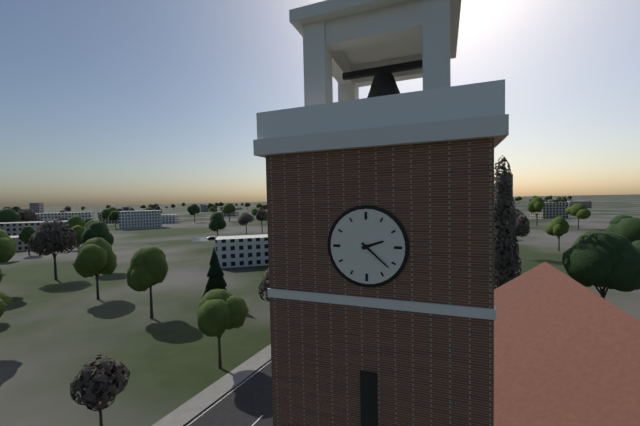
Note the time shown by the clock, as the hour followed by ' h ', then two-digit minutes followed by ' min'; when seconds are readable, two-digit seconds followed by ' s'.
2 h 22 min
